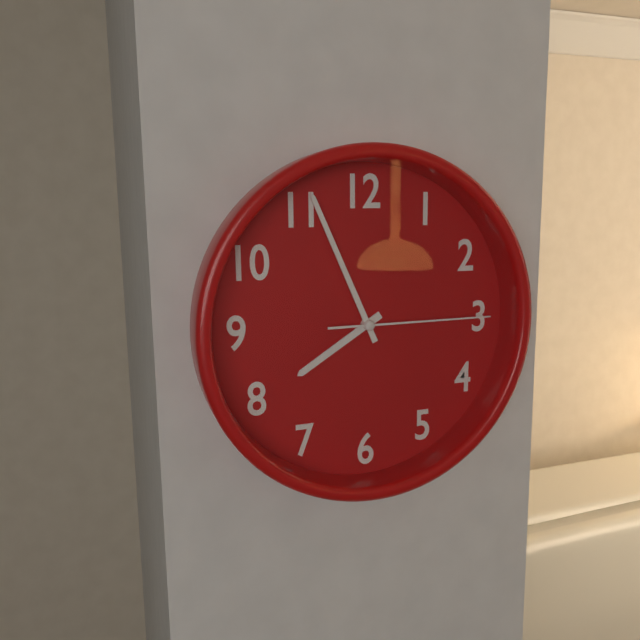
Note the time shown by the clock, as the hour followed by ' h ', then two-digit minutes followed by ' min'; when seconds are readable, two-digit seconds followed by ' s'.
7 h 56 min 15 s
